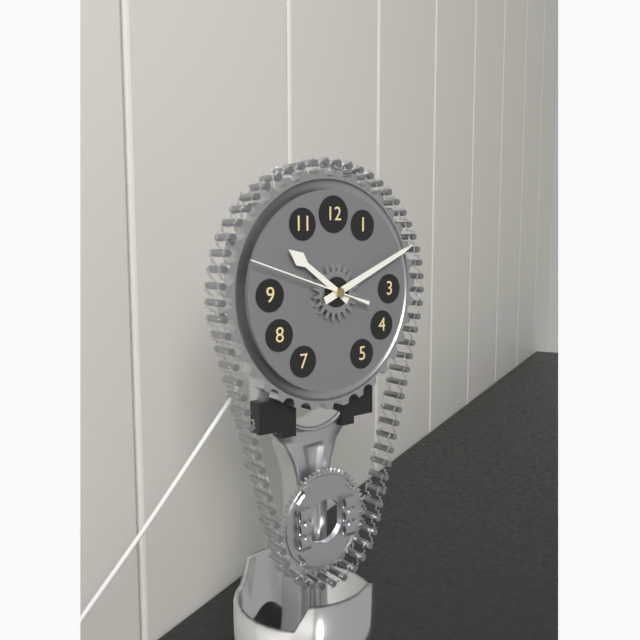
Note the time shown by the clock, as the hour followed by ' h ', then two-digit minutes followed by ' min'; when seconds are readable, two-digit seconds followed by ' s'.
10 h 11 min 48 s
